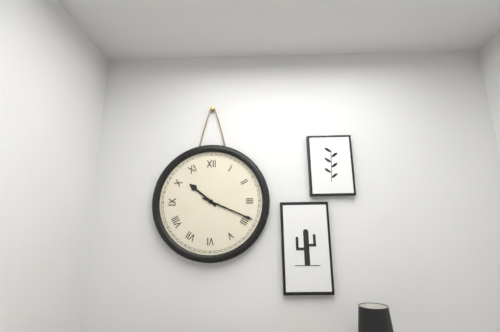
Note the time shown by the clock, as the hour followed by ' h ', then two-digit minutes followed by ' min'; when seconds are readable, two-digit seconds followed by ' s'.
10 h 19 min
